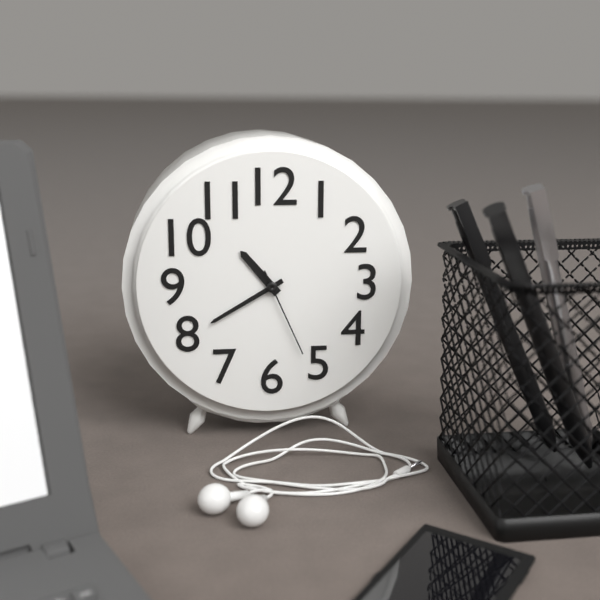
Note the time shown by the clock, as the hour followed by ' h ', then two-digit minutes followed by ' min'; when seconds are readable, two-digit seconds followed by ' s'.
10 h 40 min 26 s
